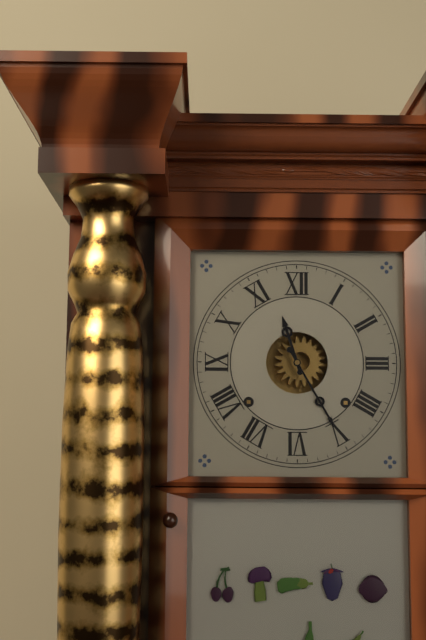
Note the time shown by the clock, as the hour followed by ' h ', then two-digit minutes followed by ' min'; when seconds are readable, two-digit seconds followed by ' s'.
11 h 25 min
